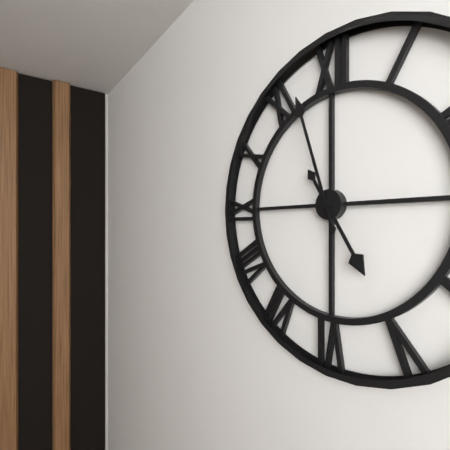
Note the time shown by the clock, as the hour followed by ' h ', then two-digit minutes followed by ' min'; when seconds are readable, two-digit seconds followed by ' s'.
4 h 57 min
